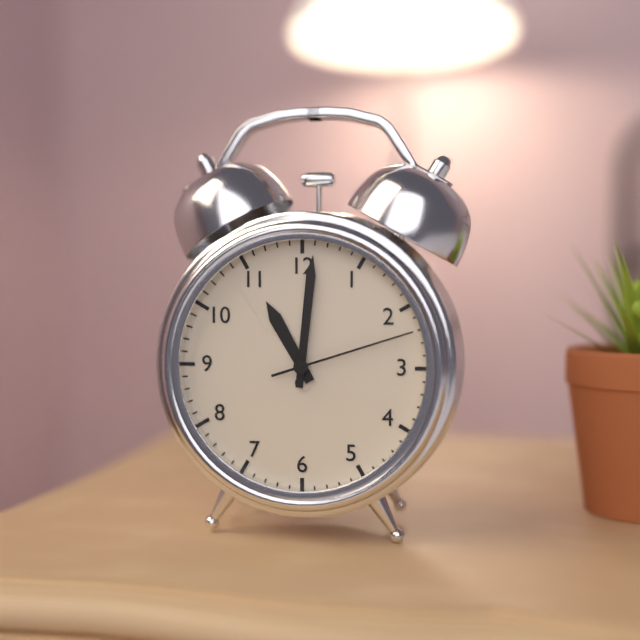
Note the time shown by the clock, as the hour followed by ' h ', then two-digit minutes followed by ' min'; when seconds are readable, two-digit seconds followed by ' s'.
11 h 01 min 12 s
